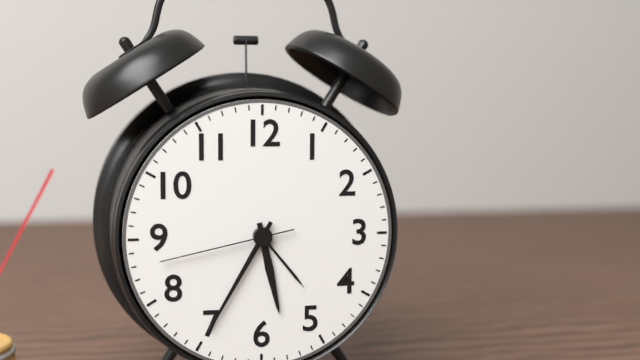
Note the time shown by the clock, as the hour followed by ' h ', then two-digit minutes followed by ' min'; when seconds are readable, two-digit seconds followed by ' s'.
5 h 35 min 43 s
